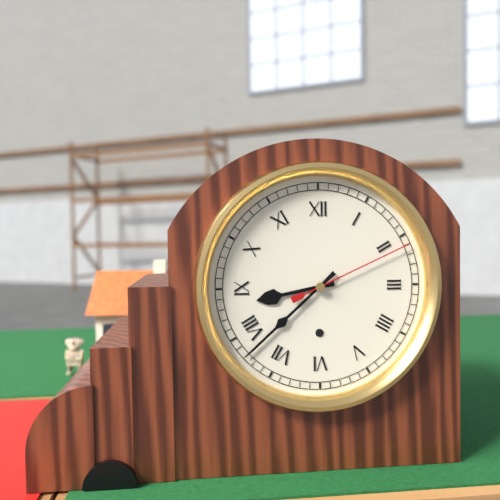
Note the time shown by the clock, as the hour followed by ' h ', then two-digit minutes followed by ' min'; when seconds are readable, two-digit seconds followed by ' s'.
8 h 38 min 11 s
